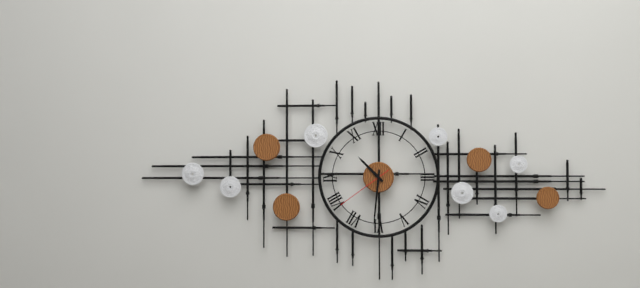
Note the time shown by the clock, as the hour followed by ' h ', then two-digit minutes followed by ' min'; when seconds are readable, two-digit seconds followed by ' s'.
10 h 31 min 39 s
